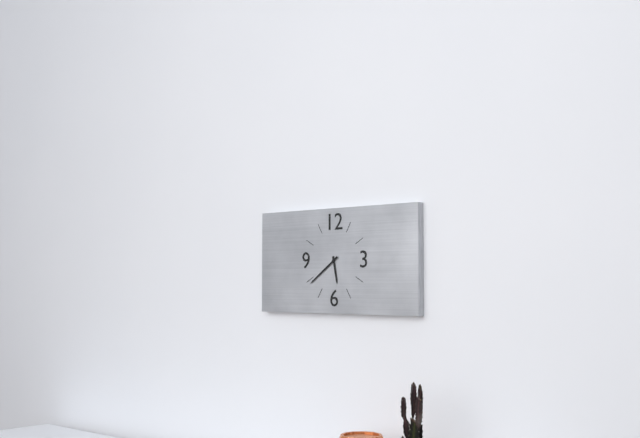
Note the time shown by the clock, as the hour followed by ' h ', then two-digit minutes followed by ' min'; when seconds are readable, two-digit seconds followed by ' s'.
5 h 39 min
